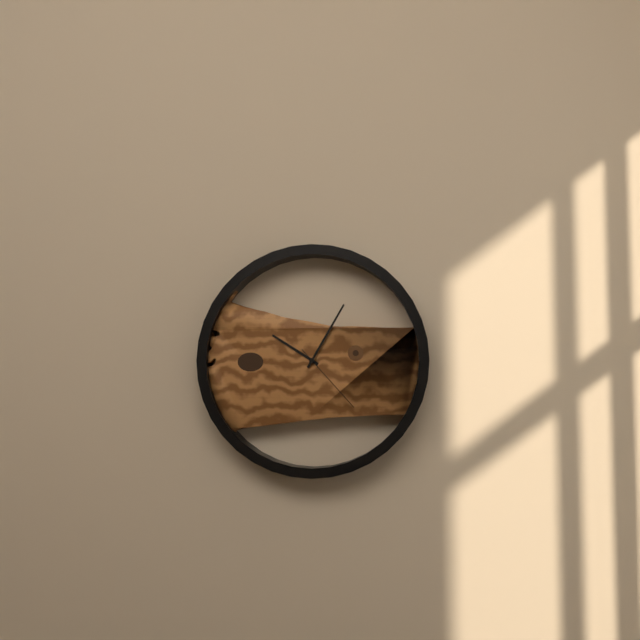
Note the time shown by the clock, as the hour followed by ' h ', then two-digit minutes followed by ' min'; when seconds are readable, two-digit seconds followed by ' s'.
10 h 05 min 23 s
